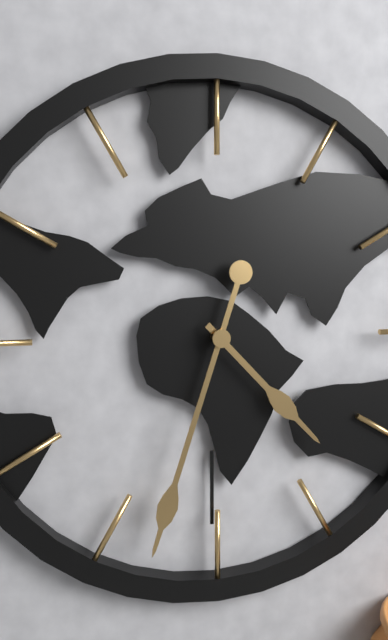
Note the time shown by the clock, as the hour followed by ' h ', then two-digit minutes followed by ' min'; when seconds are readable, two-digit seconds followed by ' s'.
4 h 33 min
